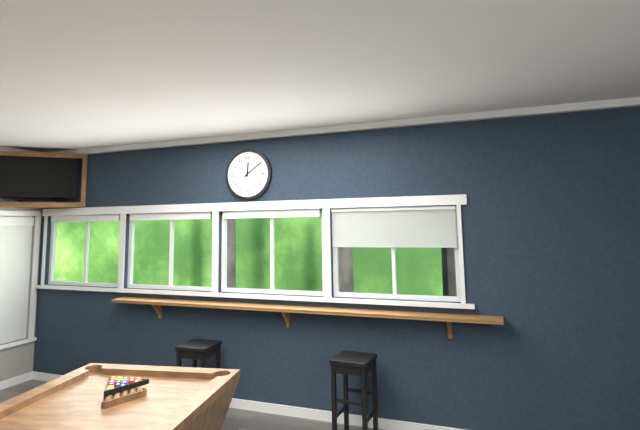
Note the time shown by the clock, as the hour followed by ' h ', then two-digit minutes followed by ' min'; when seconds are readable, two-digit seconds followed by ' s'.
12 h 09 min
